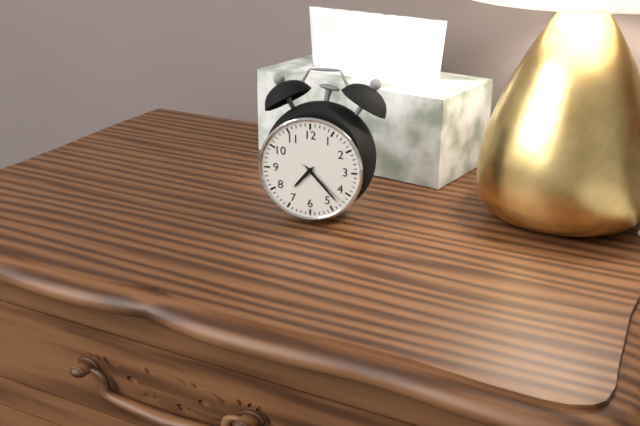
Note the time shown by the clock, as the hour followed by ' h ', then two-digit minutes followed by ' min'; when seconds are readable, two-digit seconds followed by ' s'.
7 h 23 min 22 s
